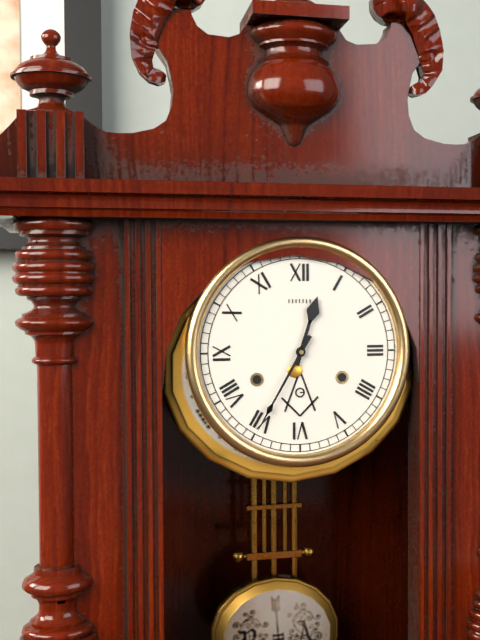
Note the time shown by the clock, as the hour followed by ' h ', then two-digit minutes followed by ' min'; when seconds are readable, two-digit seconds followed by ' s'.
12 h 35 min
